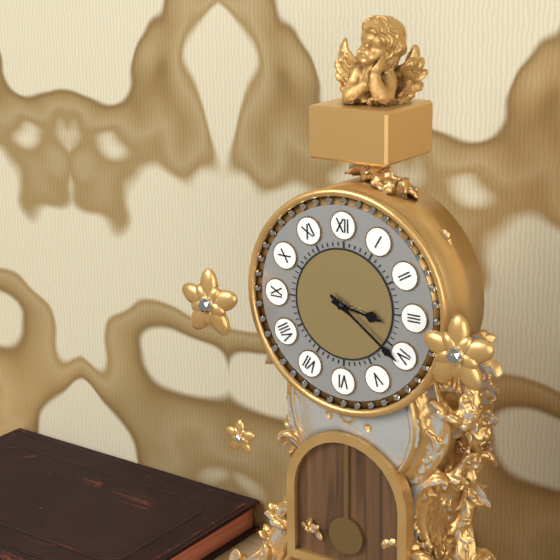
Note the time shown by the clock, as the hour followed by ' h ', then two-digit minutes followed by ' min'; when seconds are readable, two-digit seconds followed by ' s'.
3 h 21 min
